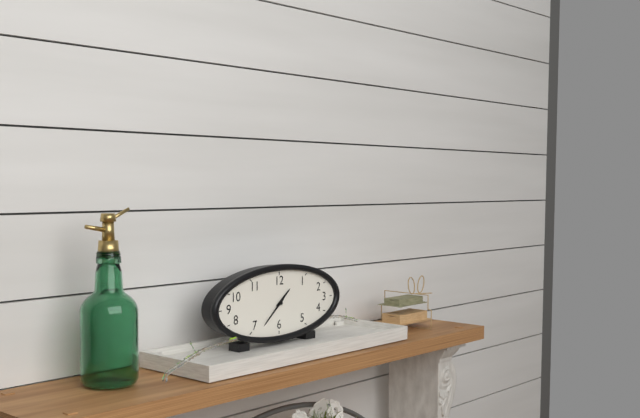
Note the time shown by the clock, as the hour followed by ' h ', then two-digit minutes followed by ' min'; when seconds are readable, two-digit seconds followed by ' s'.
1 h 38 min
